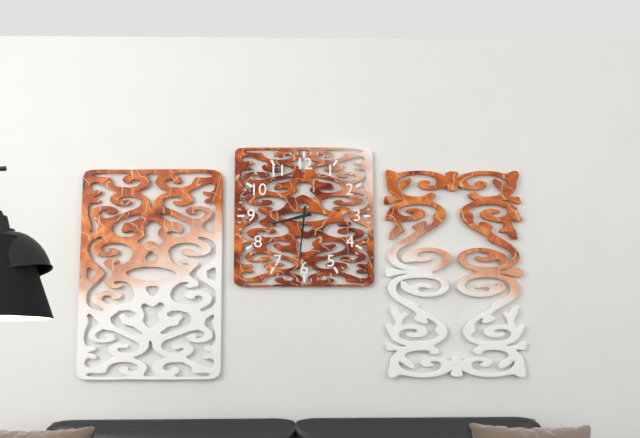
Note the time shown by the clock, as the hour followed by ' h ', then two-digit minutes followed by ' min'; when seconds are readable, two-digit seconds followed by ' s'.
8 h 31 min
